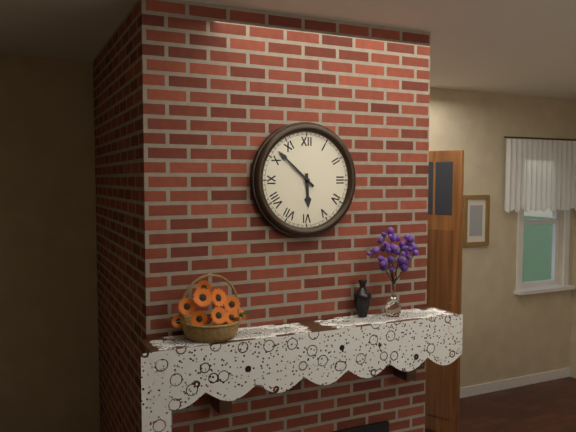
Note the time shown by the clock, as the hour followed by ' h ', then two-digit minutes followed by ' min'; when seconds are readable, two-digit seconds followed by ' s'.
5 h 52 min
